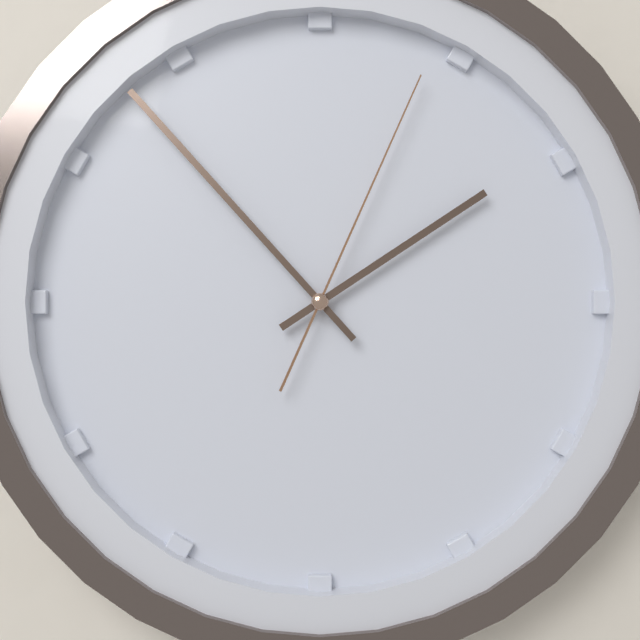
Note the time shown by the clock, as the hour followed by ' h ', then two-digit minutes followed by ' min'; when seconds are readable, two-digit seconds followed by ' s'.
1 h 53 min 04 s
